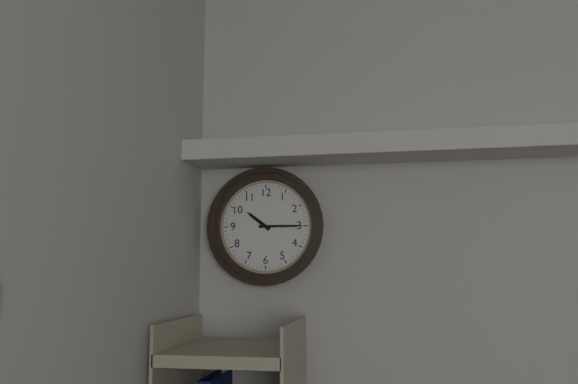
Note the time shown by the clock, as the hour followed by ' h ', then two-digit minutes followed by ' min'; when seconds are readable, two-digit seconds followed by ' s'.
10 h 15 min
